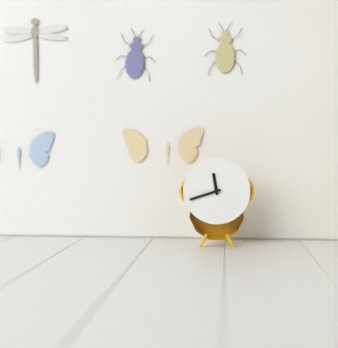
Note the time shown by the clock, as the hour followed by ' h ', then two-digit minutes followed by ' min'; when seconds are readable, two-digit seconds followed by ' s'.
11 h 42 min
